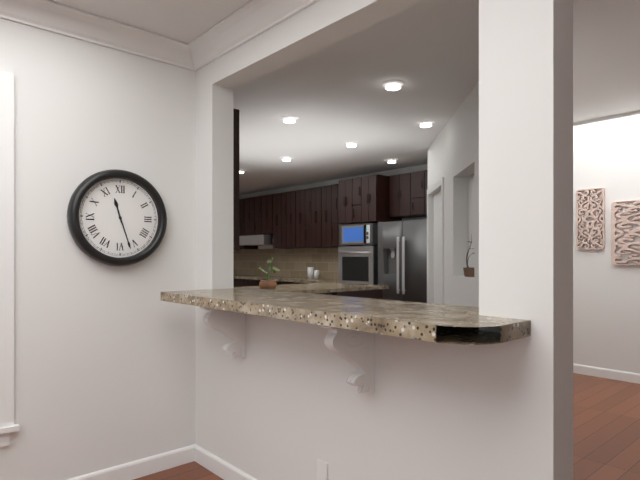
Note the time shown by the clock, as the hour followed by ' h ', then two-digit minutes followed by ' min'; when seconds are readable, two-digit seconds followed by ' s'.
11 h 27 min
